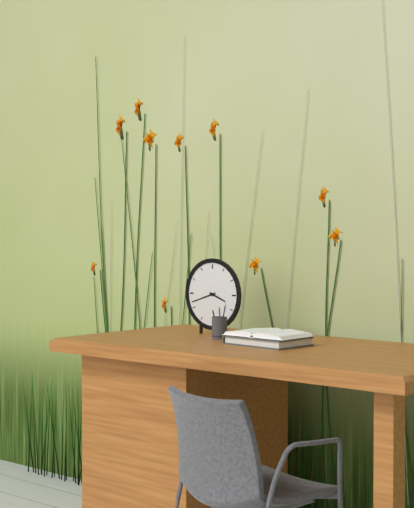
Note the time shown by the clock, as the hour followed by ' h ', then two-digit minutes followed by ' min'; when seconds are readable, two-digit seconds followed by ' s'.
3 h 42 min
